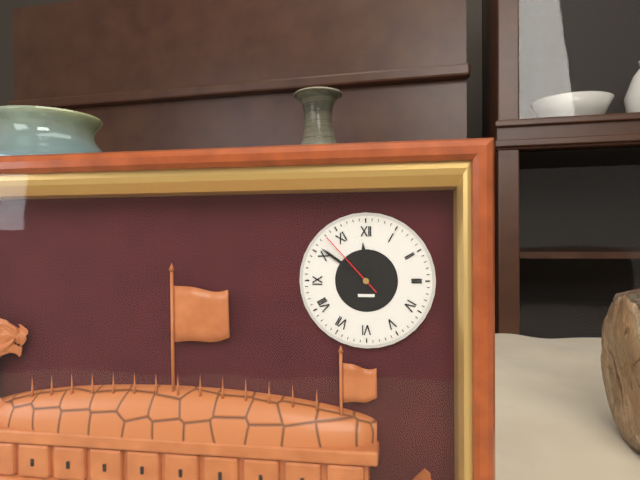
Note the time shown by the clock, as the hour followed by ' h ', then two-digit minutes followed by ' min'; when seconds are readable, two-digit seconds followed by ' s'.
11 h 51 min 53 s
